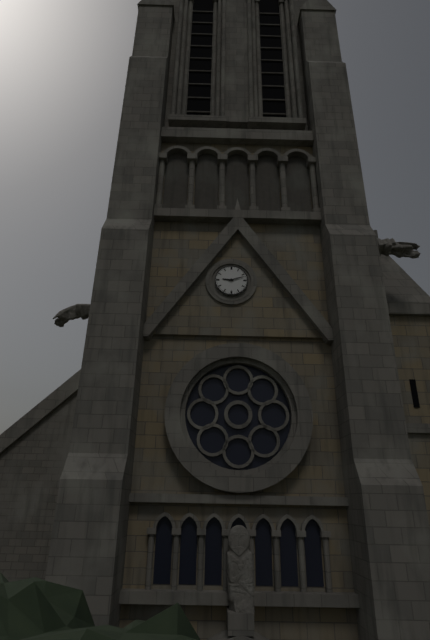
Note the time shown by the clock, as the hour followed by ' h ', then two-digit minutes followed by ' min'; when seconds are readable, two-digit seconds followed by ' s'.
9 h 12 min
